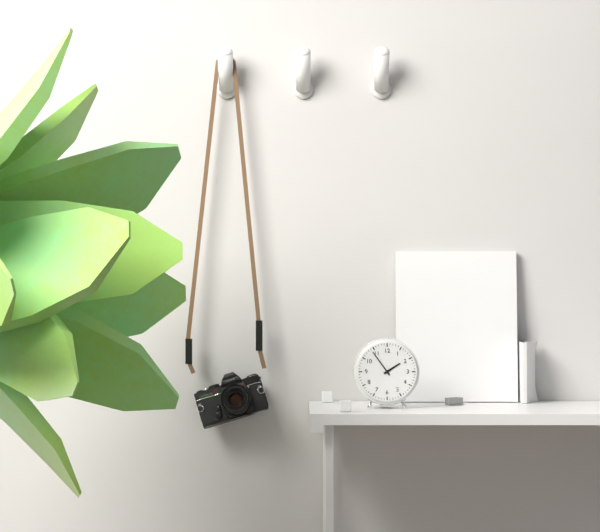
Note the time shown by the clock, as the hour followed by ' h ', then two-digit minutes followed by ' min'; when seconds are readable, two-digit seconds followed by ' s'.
1 h 54 min
